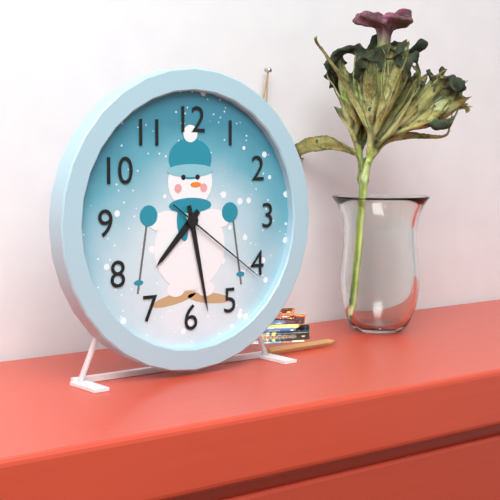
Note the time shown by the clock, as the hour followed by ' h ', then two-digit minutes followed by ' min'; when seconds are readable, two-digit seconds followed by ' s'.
7 h 28 min 21 s
